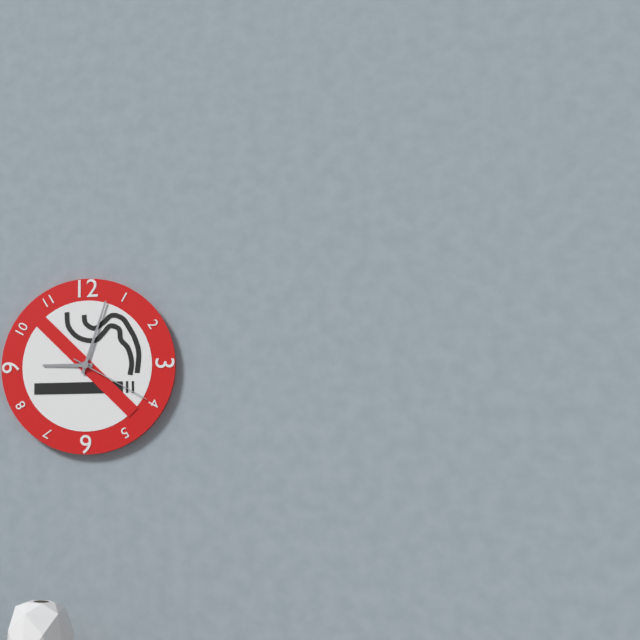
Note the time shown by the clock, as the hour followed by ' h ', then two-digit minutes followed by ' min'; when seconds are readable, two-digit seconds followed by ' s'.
9 h 03 min 20 s
